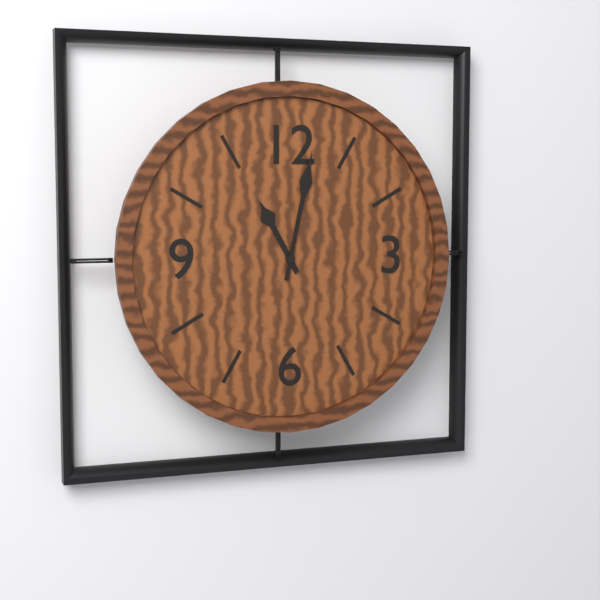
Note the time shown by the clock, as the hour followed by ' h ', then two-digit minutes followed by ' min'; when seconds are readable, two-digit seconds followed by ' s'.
11 h 02 min
